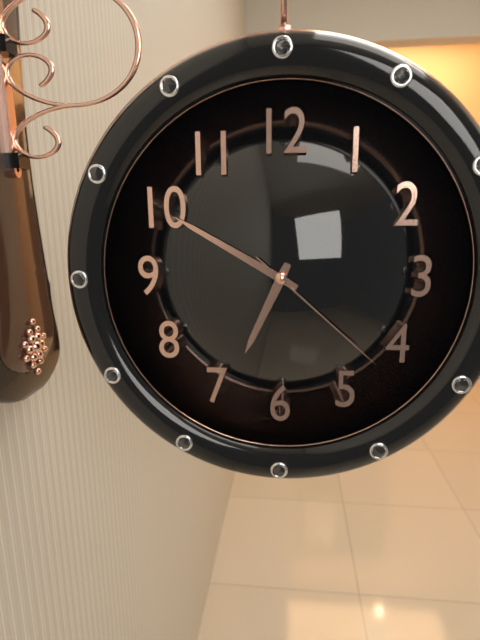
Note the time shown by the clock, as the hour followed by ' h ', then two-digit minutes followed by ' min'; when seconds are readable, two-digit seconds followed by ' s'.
6 h 50 min 22 s
